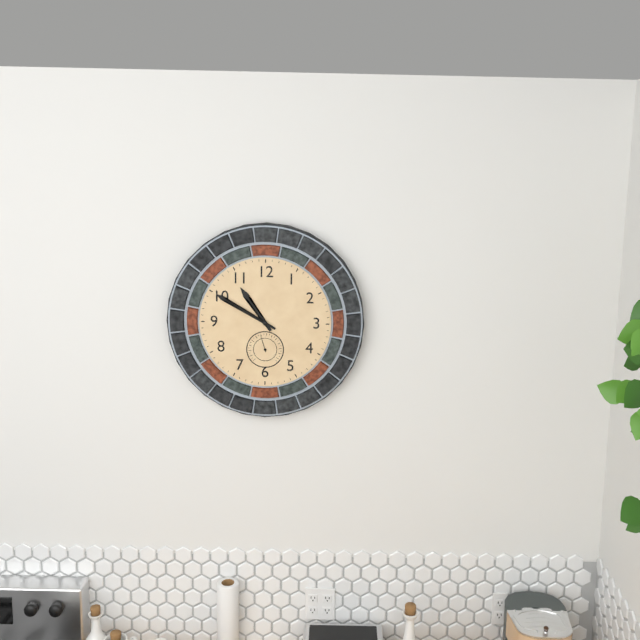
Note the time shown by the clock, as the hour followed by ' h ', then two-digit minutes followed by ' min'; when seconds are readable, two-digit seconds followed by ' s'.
10 h 50 min
